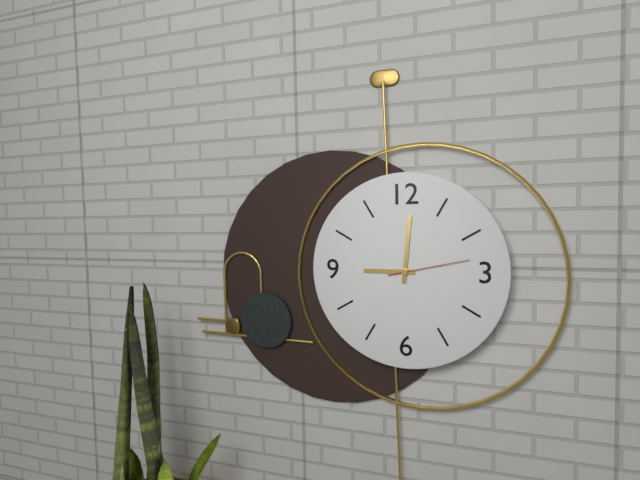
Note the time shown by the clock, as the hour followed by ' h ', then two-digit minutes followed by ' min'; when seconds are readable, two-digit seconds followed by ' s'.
9 h 01 min 13 s
